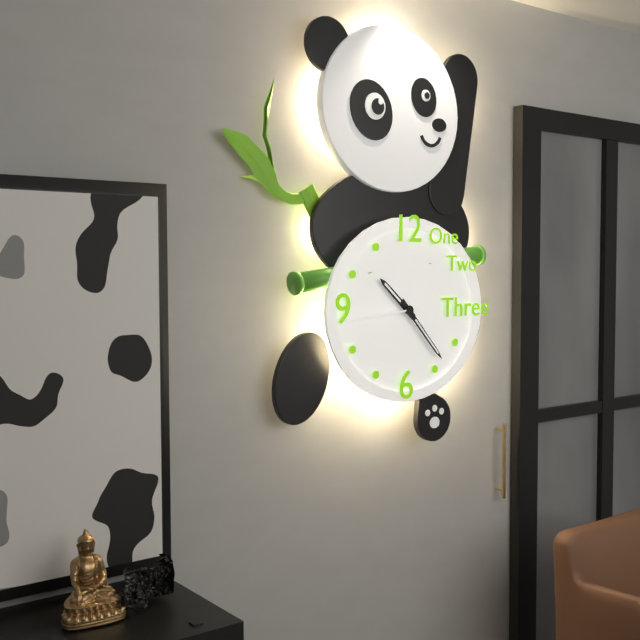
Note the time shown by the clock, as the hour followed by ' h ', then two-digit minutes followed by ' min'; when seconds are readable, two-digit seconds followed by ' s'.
10 h 23 min 44 s
